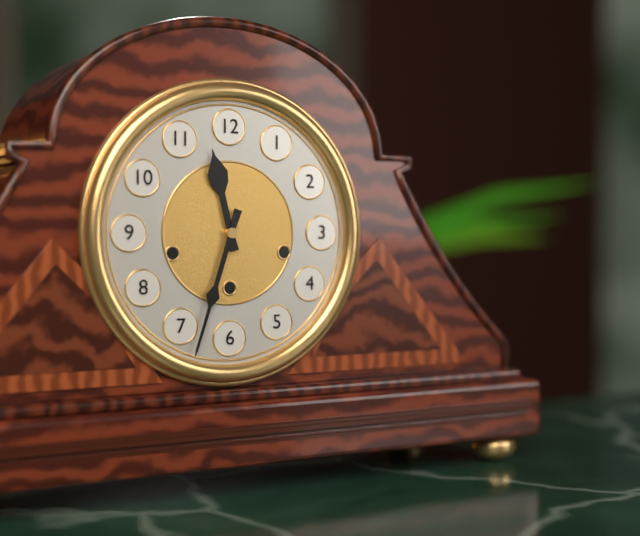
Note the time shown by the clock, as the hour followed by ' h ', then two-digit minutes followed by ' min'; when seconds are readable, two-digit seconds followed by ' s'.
11 h 33 min
